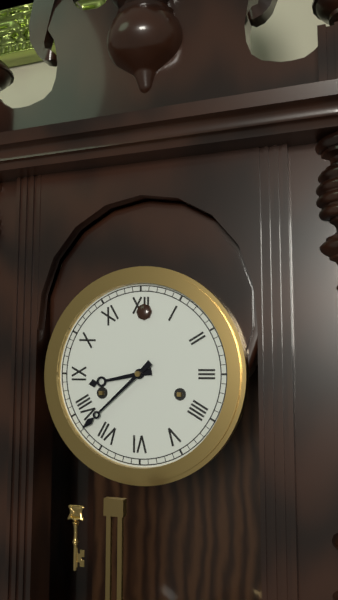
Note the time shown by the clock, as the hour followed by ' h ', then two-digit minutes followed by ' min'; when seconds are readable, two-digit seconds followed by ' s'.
8 h 38 min
